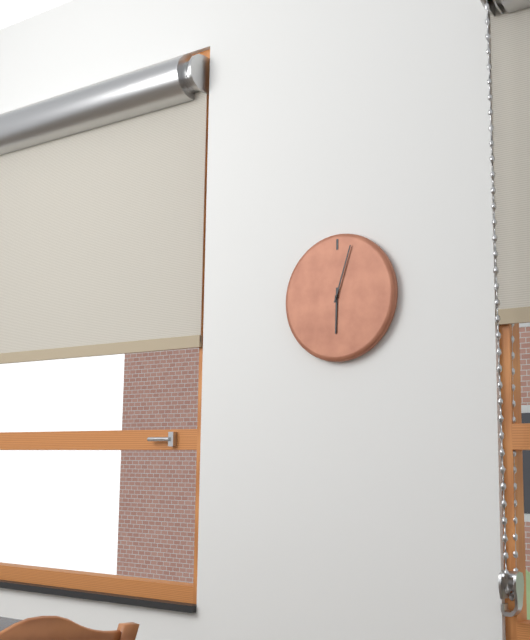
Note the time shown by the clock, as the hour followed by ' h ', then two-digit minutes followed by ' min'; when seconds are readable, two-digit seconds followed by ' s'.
6 h 03 min
